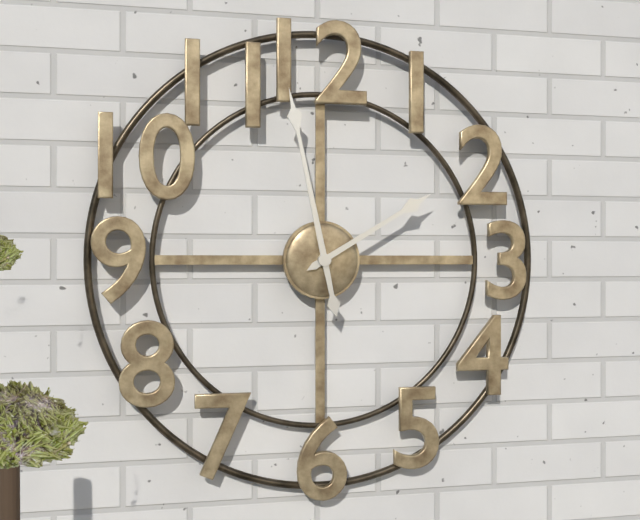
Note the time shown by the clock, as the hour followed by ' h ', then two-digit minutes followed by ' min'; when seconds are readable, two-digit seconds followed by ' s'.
1 h 58 min
